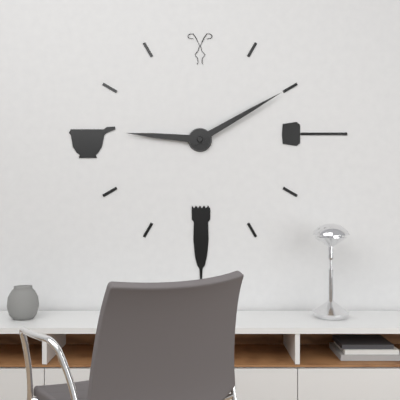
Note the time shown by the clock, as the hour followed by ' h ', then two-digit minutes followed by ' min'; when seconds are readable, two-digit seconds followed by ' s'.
9 h 10 min
